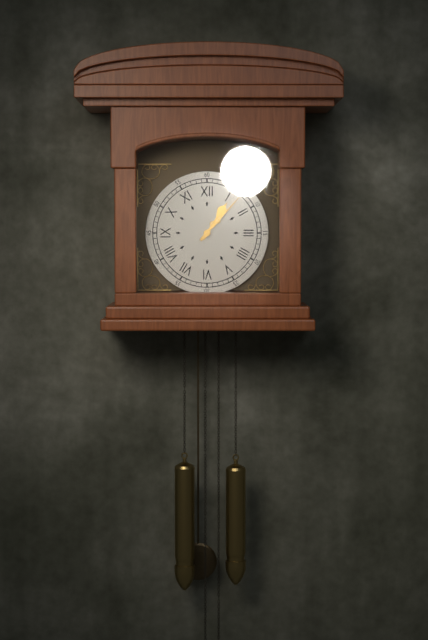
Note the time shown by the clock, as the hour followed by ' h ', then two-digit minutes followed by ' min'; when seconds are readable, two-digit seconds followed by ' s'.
1 h 07 min
